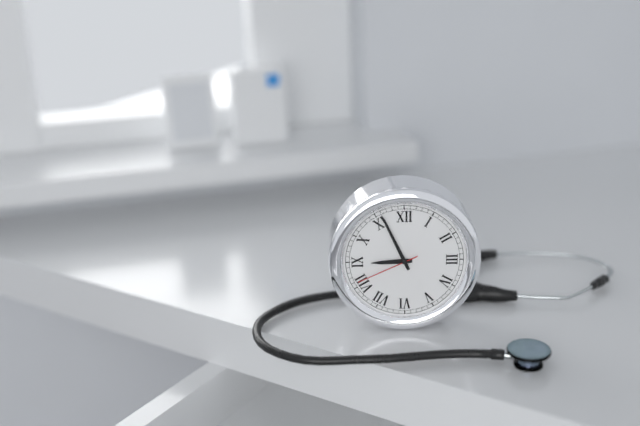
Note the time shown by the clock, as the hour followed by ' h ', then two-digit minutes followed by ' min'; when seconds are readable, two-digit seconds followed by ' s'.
8 h 56 min 41 s
